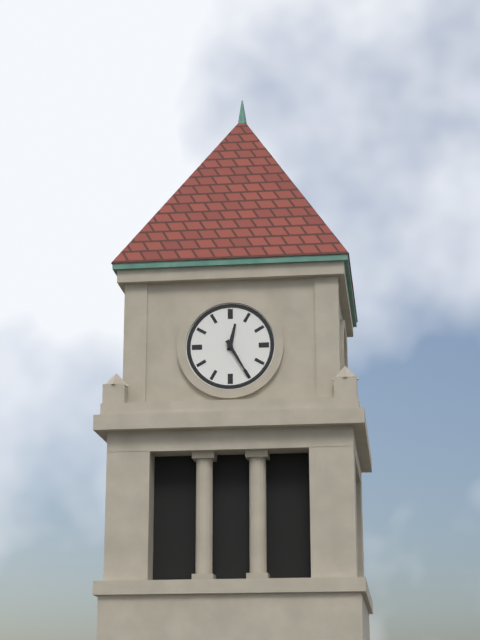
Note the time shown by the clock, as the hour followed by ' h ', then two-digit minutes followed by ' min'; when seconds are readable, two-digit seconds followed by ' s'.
12 h 25 min
